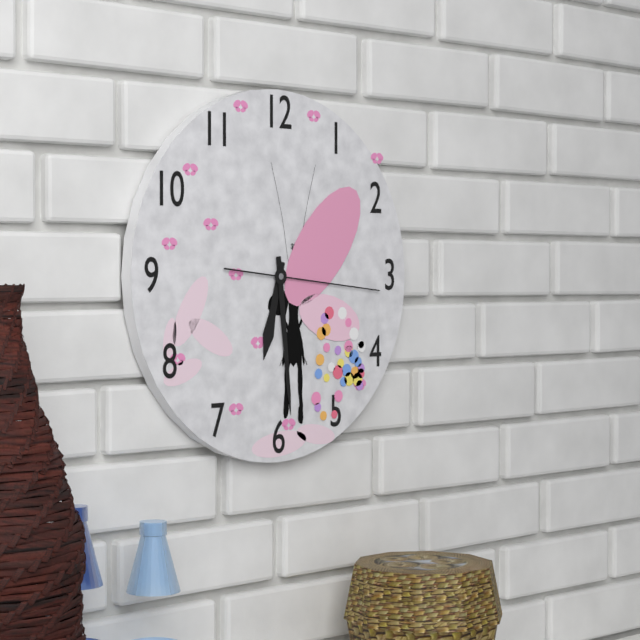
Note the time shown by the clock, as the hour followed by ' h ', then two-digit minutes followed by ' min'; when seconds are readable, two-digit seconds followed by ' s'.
6 h 29 min 16 s
